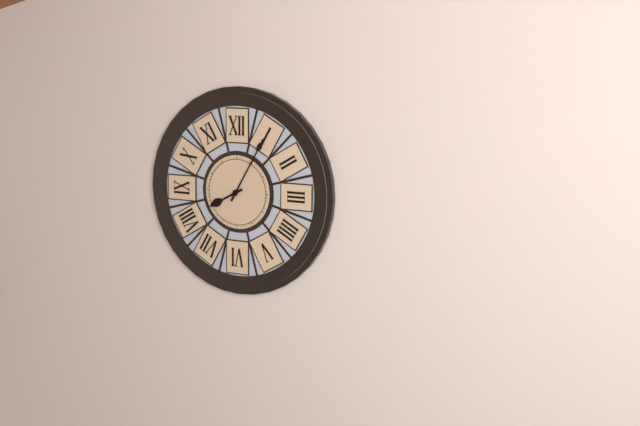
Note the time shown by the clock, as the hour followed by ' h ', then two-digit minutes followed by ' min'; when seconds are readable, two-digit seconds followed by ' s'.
8 h 05 min
